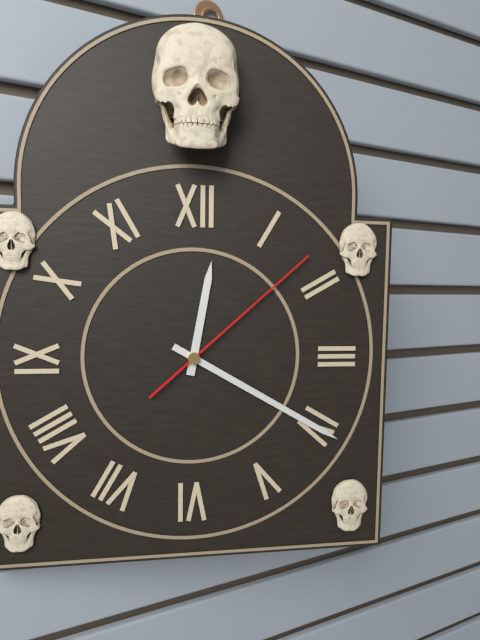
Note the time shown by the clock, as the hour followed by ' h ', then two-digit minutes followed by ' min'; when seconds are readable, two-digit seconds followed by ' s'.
12 h 20 min 08 s
